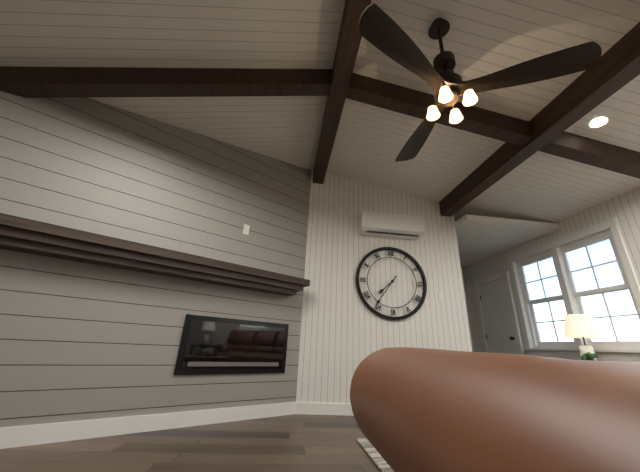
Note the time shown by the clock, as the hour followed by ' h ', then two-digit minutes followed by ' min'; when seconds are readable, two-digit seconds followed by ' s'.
7 h 36 min
